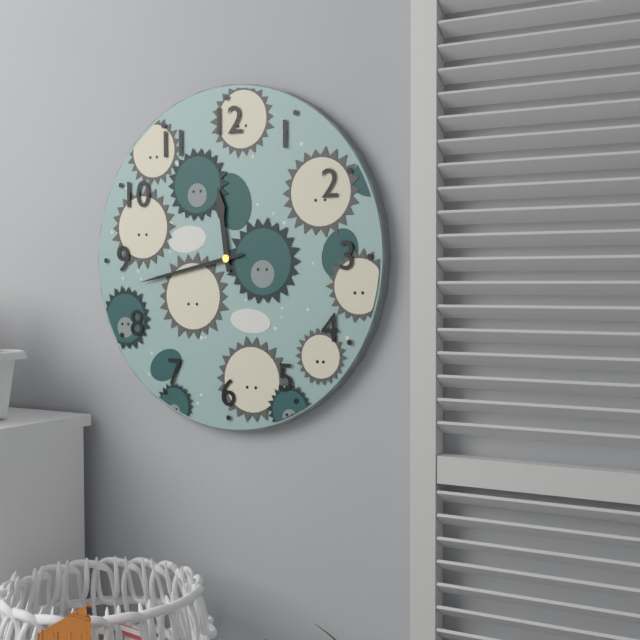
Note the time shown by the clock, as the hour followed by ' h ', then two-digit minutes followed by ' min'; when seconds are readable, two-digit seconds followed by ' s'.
11 h 43 min
